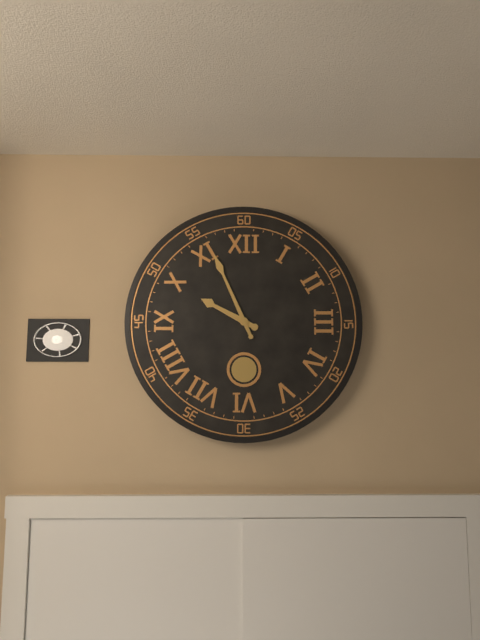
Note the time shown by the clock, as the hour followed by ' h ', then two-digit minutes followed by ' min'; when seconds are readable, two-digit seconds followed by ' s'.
9 h 56 min
